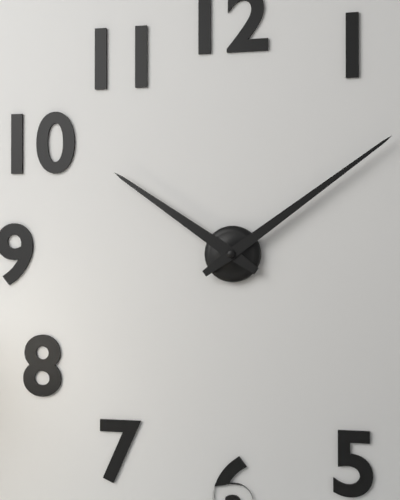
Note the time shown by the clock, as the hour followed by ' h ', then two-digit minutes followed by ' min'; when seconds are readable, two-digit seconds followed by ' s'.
10 h 09 min
